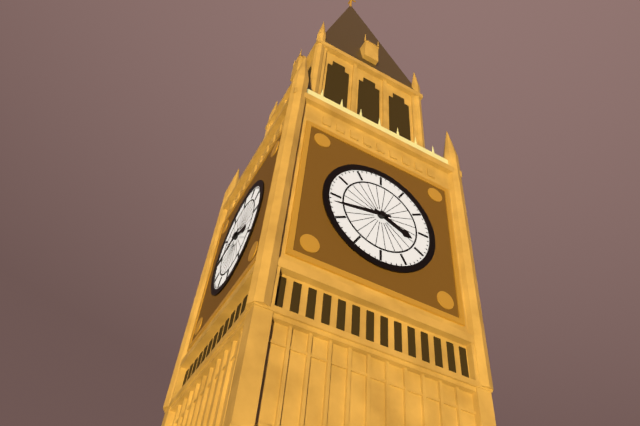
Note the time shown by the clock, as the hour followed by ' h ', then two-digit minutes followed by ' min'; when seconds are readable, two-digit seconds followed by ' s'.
3 h 43 min
